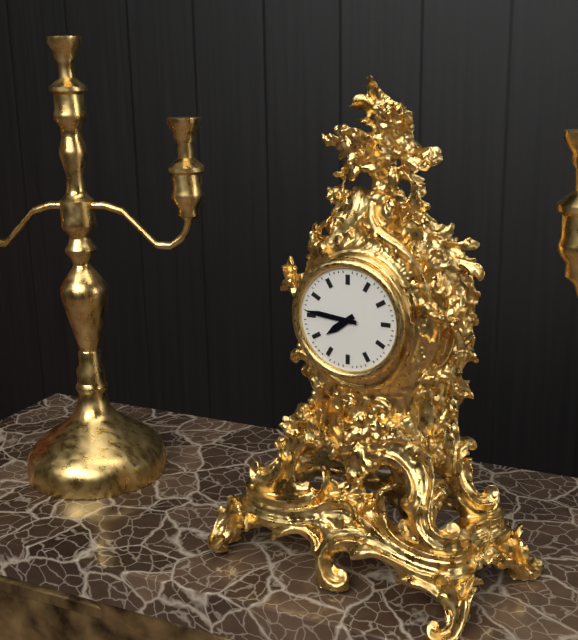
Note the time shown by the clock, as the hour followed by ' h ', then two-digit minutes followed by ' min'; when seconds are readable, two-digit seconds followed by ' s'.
7 h 46 min
